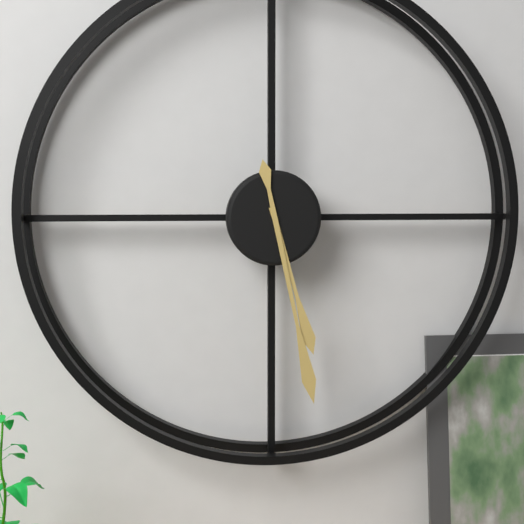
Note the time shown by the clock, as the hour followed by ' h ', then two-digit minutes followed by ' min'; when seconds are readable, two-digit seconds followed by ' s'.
5 h 28 min
